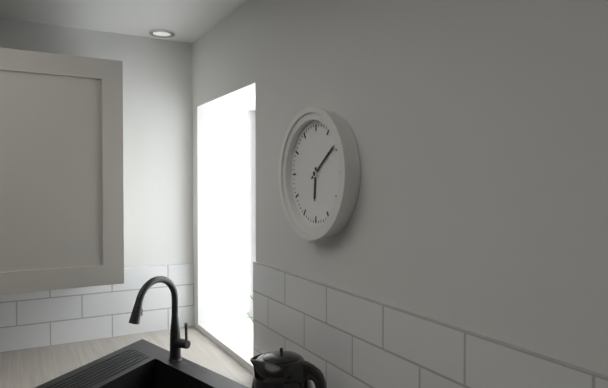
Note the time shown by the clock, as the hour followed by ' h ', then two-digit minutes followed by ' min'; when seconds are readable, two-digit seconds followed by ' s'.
6 h 09 min
